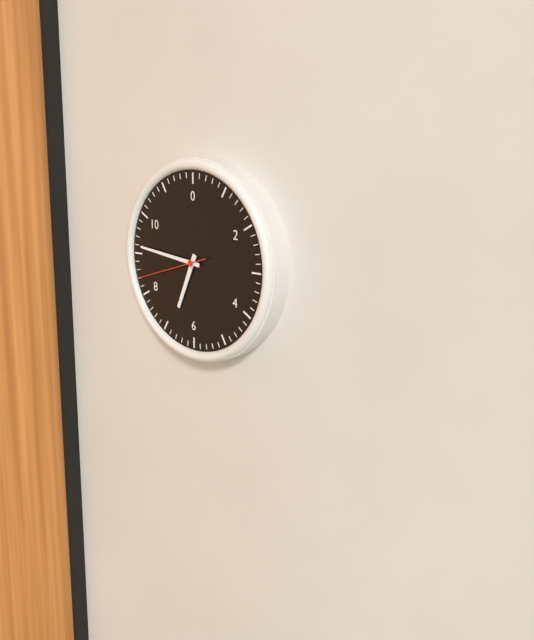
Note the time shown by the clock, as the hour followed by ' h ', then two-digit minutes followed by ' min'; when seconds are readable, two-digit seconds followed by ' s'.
6 h 46 min 42 s
